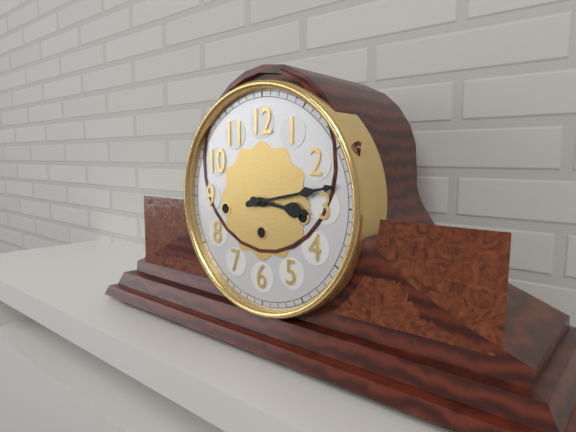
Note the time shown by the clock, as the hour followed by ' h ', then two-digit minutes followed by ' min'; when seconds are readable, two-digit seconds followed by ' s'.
3 h 13 min
